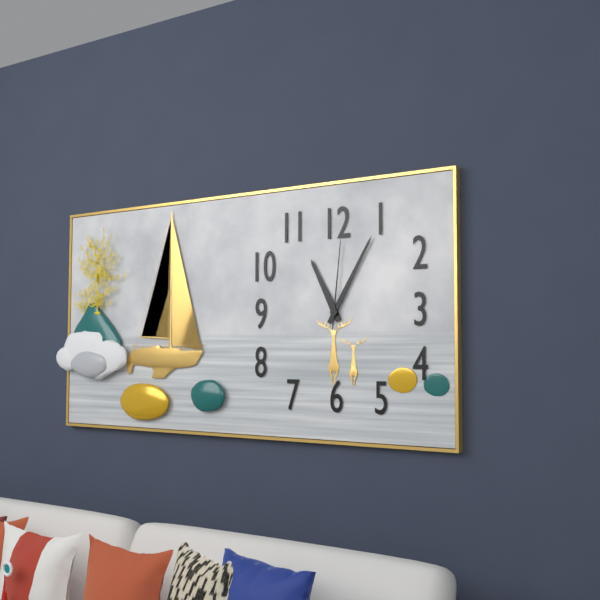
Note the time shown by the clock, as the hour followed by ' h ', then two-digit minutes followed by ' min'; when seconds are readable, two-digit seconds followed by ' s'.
11 h 05 min 01 s
